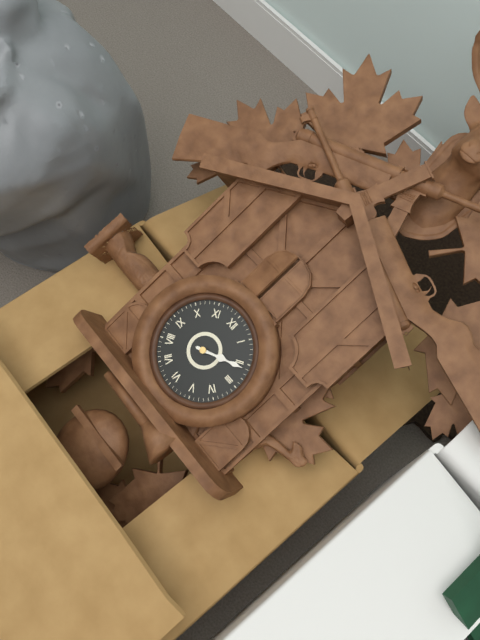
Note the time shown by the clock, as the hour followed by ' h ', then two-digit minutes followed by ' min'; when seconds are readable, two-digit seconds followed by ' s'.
2 h 11 min
